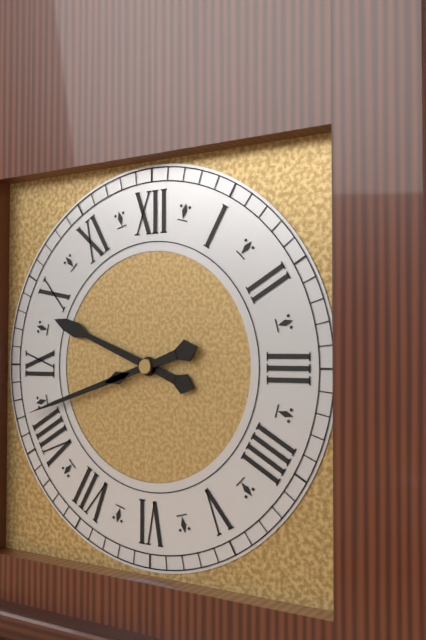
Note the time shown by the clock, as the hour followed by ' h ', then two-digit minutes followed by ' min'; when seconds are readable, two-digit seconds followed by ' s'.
9 h 42 min
